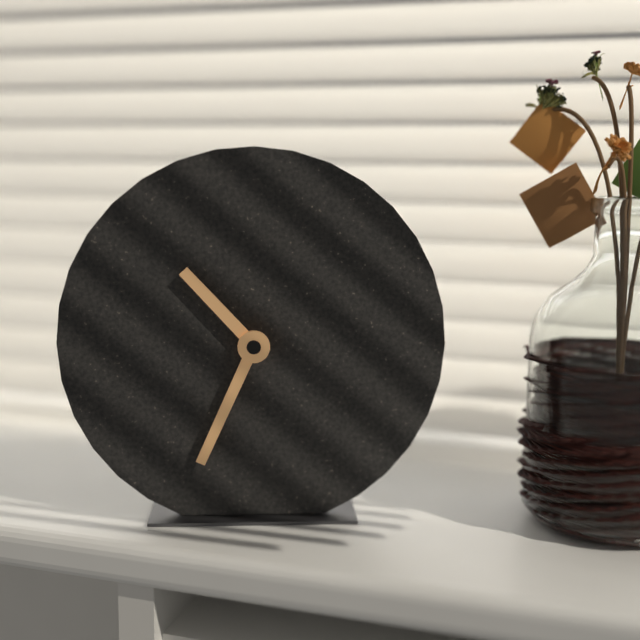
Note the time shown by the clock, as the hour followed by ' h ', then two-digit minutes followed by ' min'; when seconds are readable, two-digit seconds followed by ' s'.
10 h 34 min
